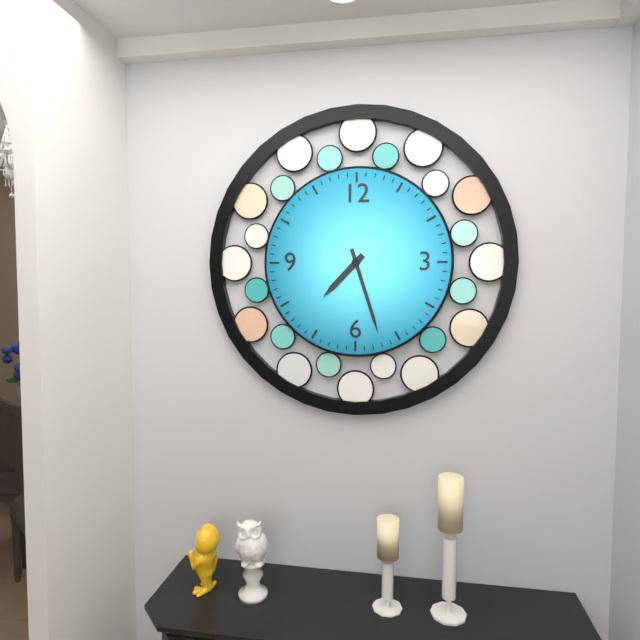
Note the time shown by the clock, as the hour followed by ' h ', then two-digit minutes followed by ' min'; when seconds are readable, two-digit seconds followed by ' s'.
7 h 27 min
